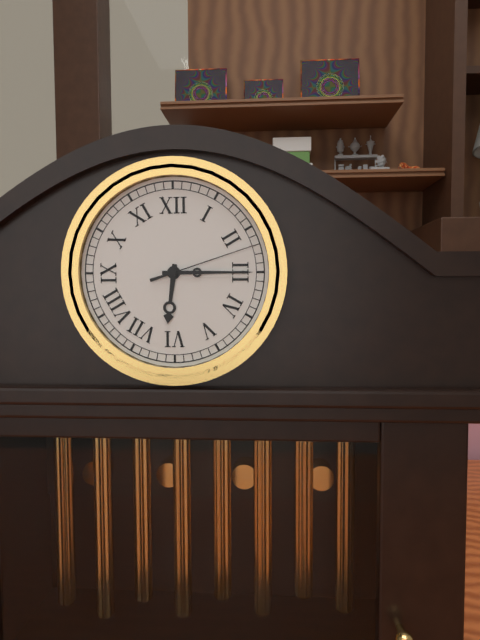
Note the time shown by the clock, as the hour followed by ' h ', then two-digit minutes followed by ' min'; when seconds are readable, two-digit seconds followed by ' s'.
6 h 15 min 12 s
